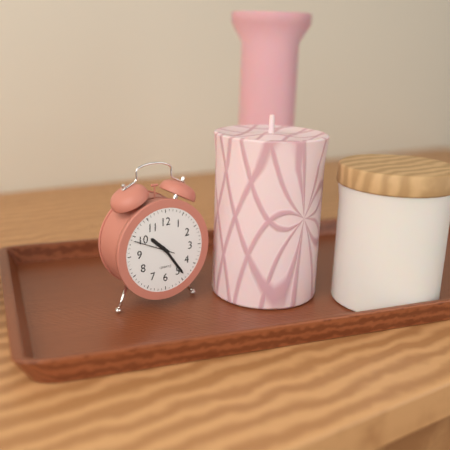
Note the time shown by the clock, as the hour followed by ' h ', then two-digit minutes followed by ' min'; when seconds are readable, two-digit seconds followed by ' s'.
10 h 24 min
